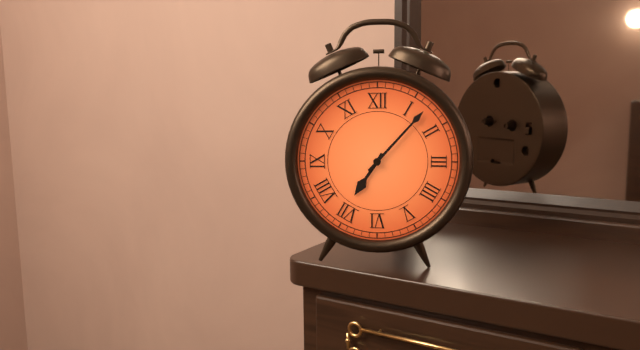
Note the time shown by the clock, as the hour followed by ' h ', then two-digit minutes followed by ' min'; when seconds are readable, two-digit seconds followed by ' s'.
7 h 07 min
